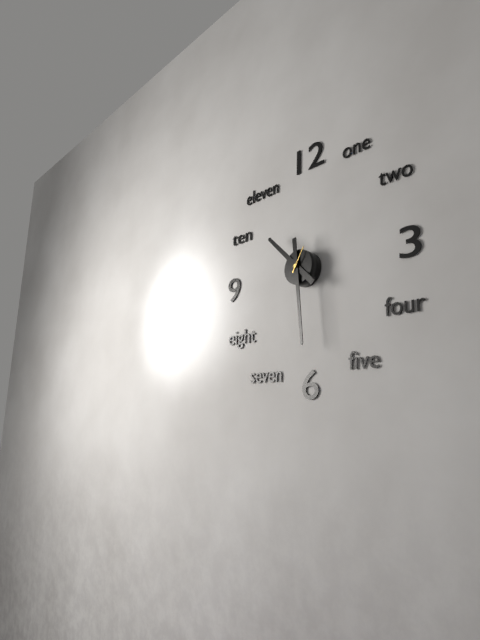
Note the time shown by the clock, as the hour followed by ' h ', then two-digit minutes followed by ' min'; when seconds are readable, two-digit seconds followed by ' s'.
10 h 29 min
